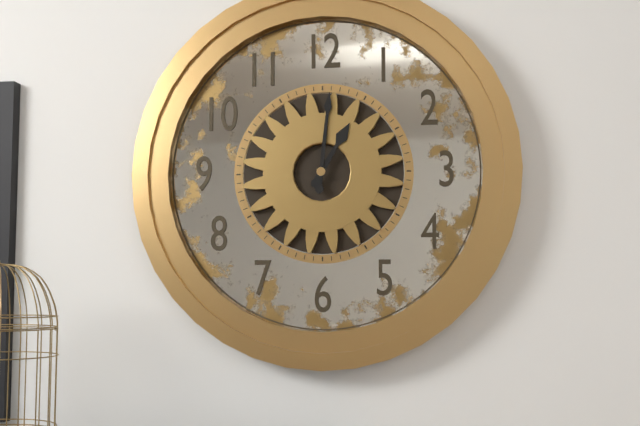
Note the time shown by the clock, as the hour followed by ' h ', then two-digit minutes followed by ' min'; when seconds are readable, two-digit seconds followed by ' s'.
1 h 01 min
